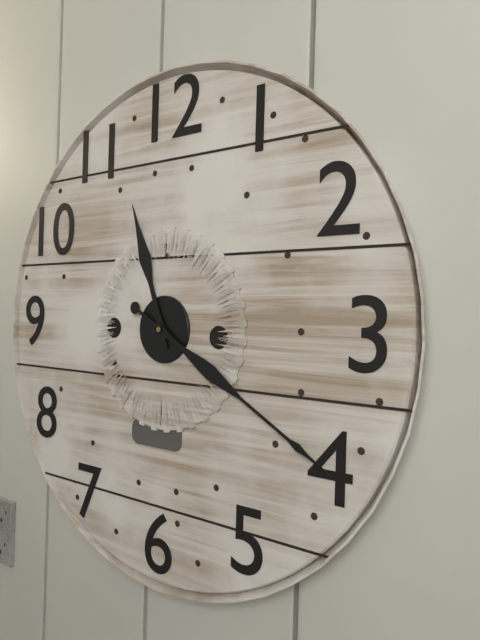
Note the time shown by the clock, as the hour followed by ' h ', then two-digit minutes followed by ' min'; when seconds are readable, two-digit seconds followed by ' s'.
11 h 20 min
